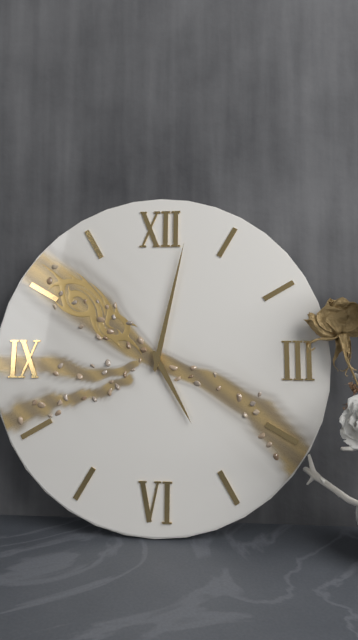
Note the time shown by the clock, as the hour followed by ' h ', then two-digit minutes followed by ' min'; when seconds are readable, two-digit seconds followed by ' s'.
5 h 02 min
